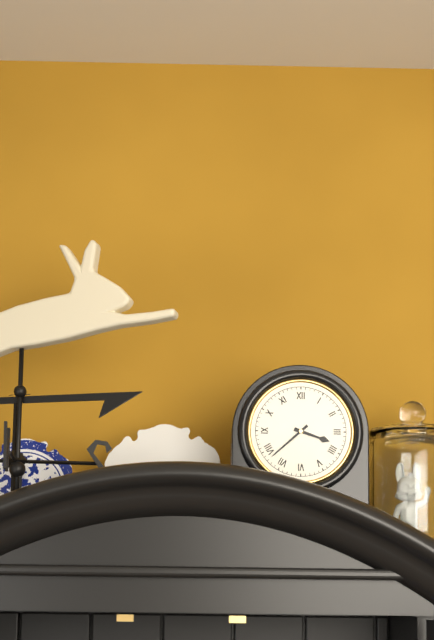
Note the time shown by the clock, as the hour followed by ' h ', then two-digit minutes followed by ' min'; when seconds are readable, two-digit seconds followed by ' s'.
3 h 38 min
